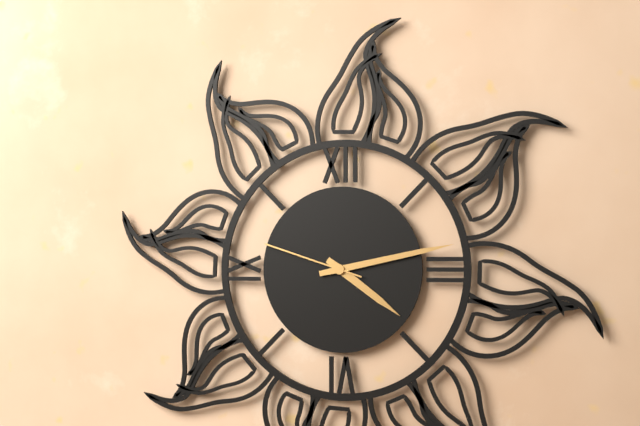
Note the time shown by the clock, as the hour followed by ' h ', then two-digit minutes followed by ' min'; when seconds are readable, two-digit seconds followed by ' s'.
4 h 13 min 48 s
